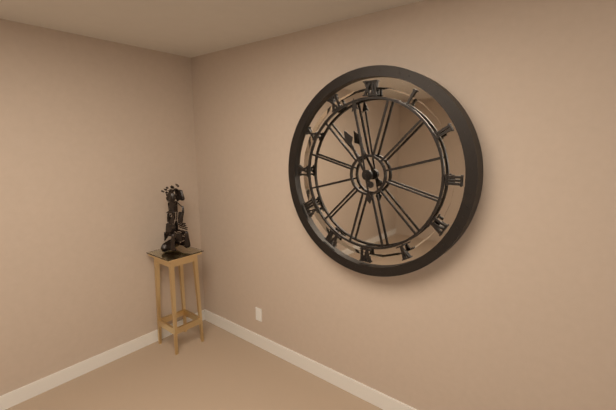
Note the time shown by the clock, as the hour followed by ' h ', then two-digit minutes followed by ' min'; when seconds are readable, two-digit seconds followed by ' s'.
10 h 58 min
